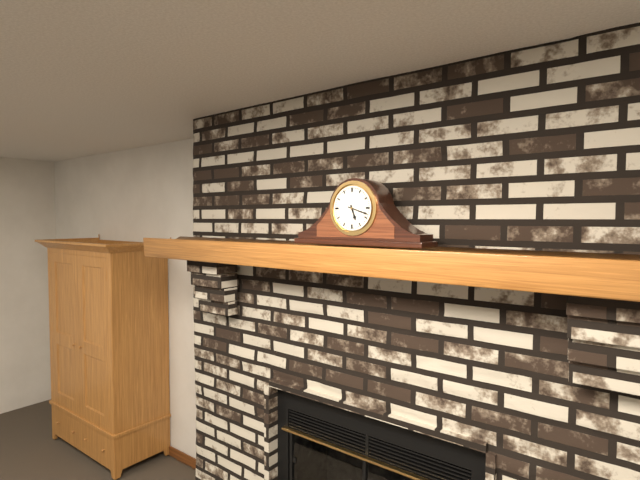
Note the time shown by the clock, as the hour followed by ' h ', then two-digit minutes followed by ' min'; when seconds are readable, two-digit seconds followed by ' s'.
5 h 18 min
